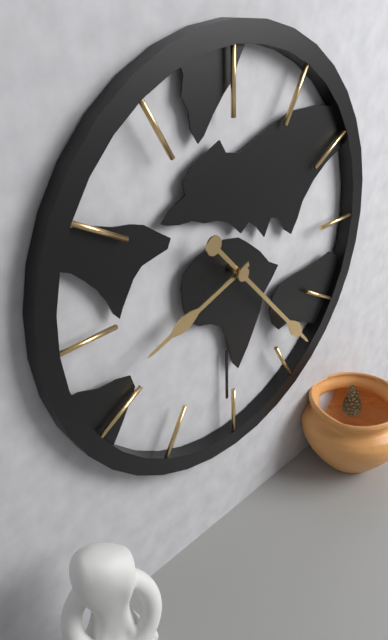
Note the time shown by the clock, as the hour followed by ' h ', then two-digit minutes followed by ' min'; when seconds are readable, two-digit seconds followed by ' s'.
8 h 23 min
